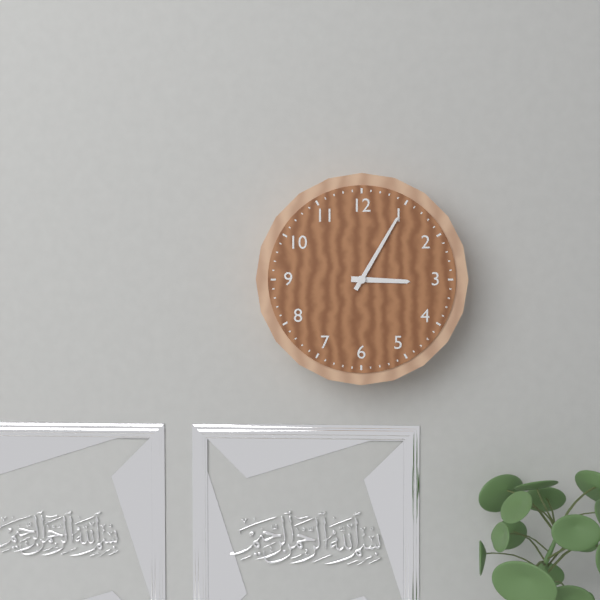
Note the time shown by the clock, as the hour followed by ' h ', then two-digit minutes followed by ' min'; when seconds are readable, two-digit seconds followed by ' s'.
3 h 05 min
